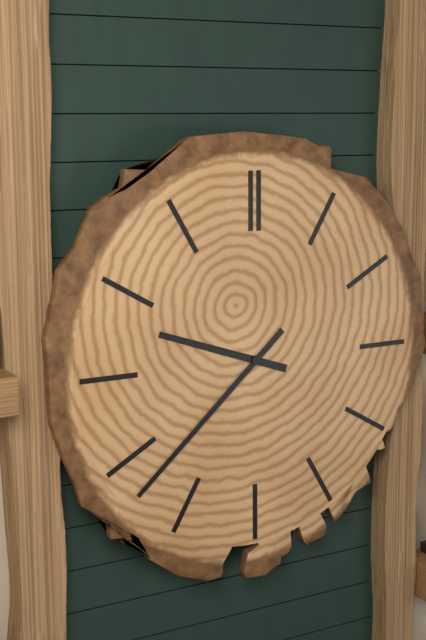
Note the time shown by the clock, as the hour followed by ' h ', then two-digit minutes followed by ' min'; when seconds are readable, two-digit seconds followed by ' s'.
9 h 38 min
